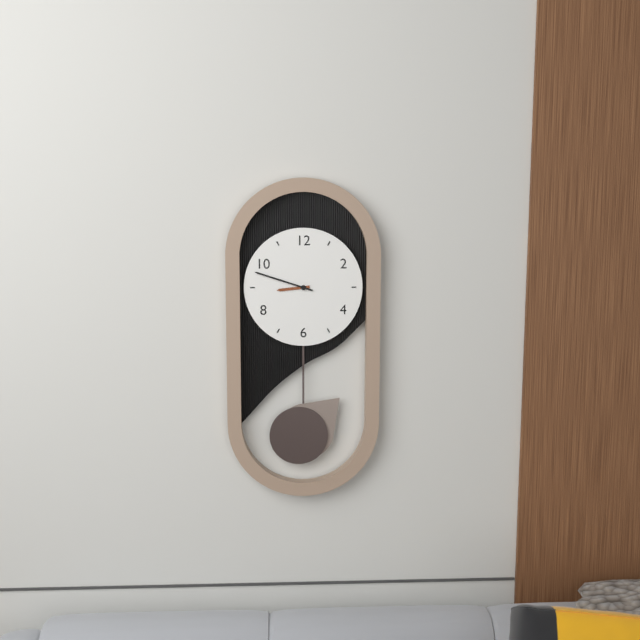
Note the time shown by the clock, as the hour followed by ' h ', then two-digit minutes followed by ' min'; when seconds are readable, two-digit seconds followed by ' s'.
8 h 48 min
